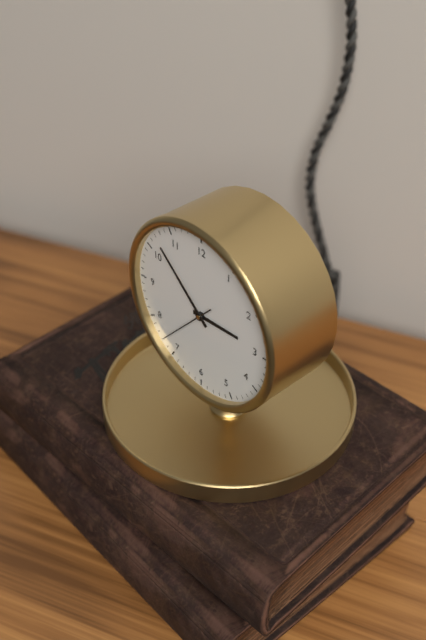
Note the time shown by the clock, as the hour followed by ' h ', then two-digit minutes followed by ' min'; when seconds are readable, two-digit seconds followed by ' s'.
2 h 52 min 37 s
